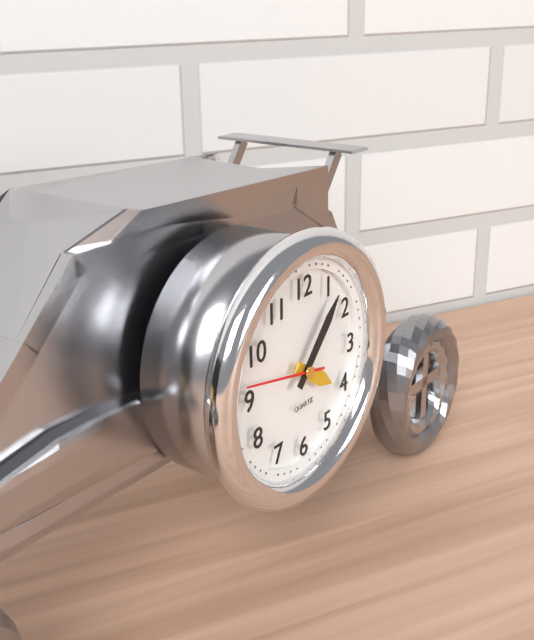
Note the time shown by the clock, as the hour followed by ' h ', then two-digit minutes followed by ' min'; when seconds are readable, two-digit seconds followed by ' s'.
4 h 07 min 47 s
